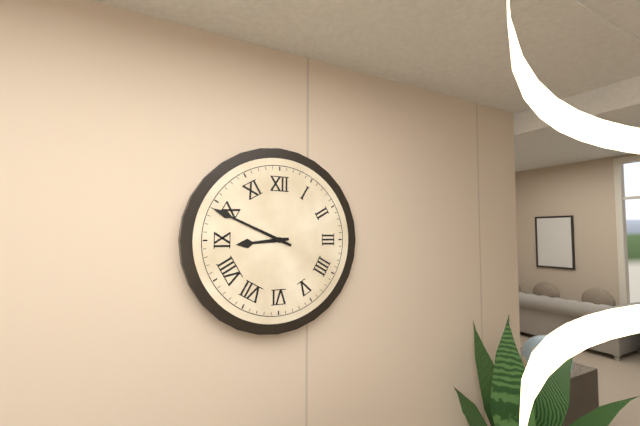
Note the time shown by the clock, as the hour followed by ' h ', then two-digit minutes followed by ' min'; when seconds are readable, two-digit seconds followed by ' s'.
8 h 49 min
